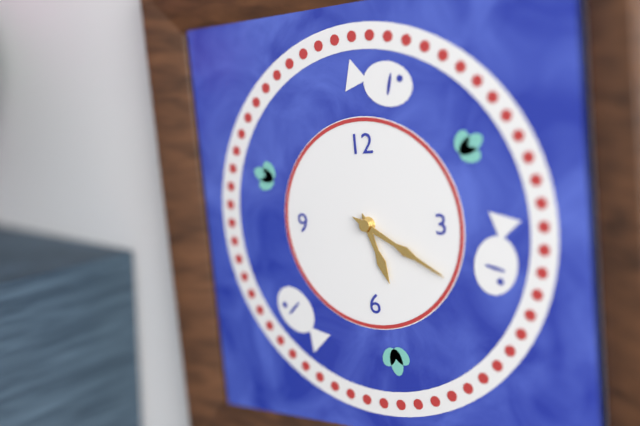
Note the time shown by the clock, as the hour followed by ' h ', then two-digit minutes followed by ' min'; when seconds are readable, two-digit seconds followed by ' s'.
5 h 20 min
